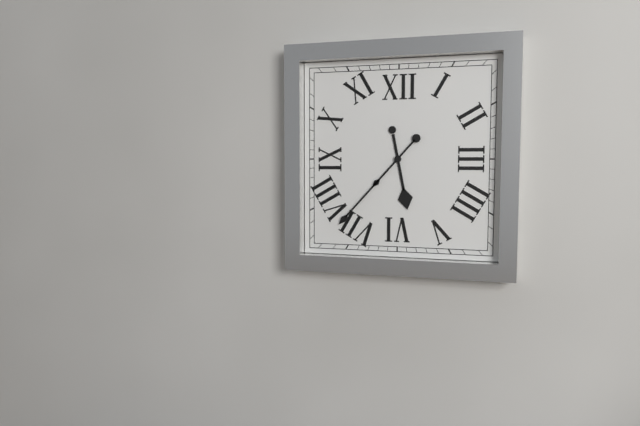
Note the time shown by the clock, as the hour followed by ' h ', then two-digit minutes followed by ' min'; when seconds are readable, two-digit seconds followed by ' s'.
5 h 37 min
